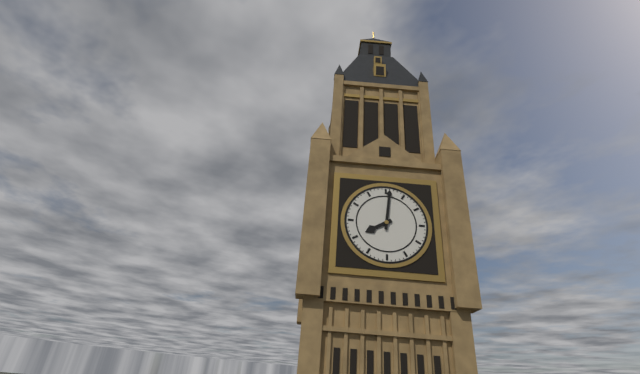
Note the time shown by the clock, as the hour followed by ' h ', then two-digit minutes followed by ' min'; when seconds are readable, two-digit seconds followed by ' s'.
8 h 01 min
